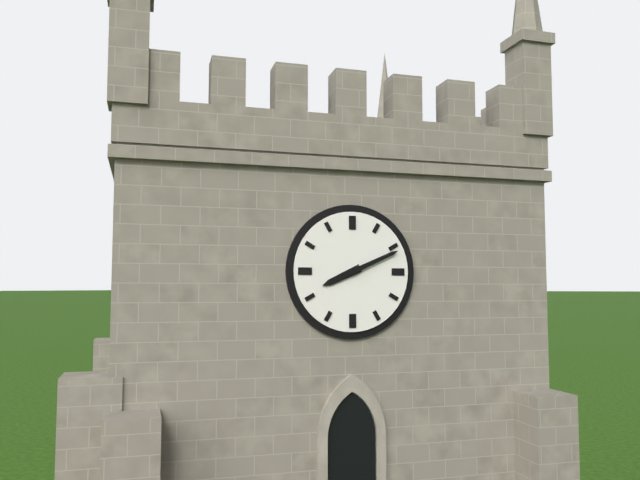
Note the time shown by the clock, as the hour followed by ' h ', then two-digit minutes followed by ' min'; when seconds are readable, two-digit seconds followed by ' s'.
8 h 11 min
